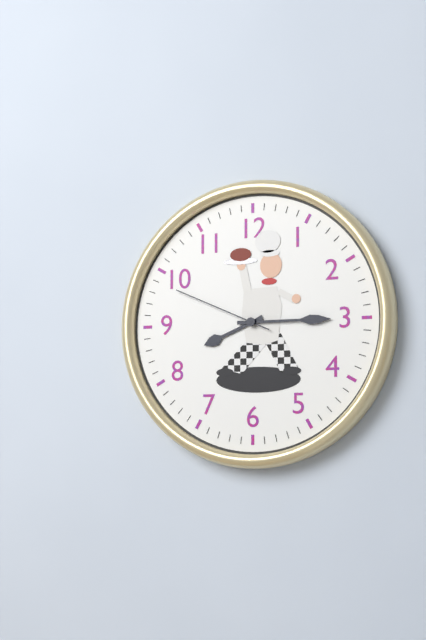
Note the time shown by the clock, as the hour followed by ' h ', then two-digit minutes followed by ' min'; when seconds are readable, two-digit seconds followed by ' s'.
8 h 15 min 49 s
